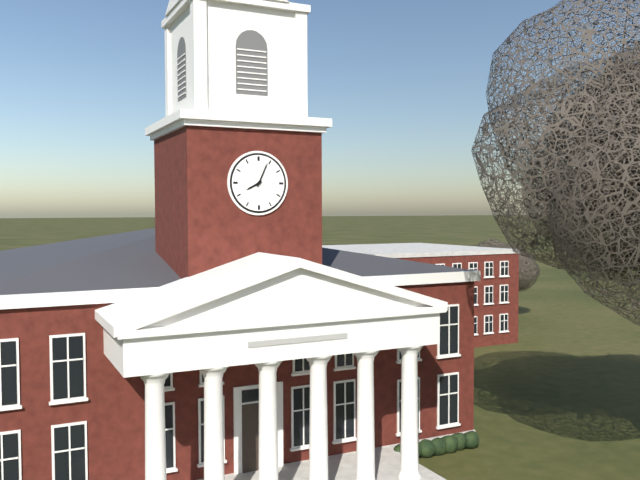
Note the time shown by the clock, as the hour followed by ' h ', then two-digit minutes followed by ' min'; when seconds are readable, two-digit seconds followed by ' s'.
8 h 04 min
